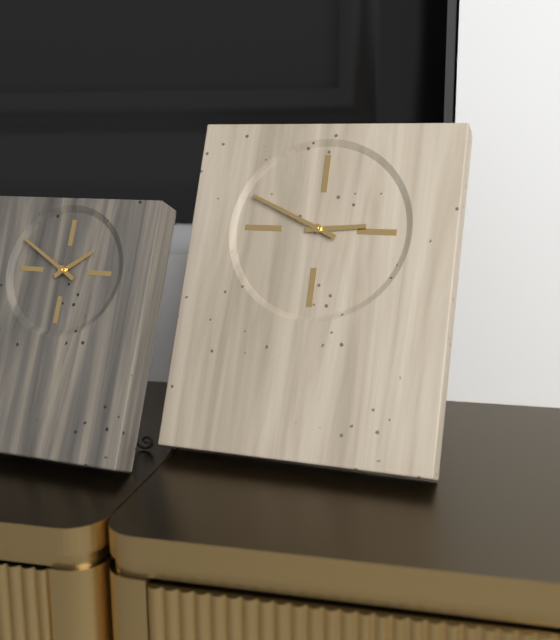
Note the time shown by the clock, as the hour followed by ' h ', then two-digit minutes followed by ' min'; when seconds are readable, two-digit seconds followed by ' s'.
2 h 49 min
